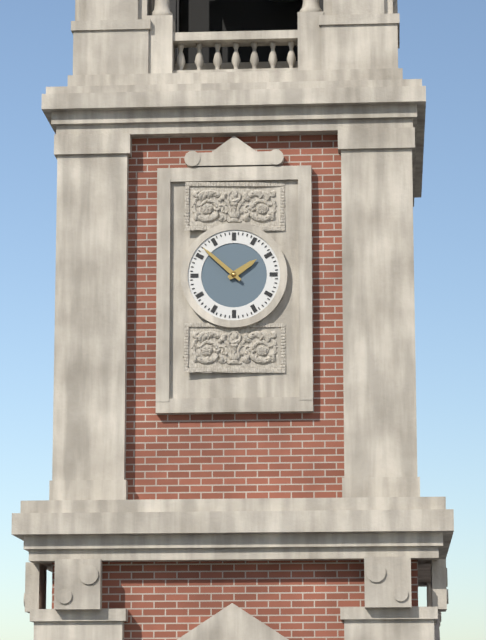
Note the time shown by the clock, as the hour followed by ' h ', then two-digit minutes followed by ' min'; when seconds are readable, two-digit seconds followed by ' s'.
1 h 52 min
